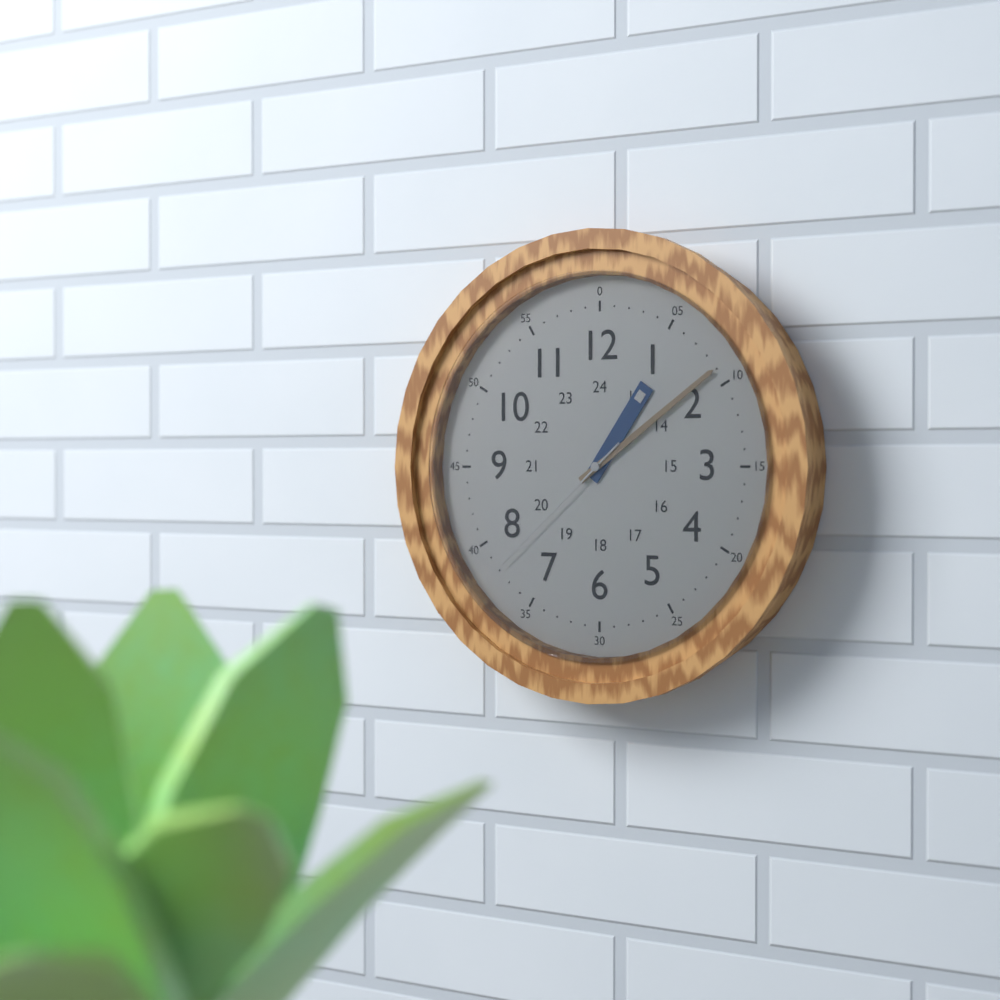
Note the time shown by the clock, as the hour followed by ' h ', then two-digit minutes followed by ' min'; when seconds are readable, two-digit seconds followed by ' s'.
1 h 09 min 38 s
